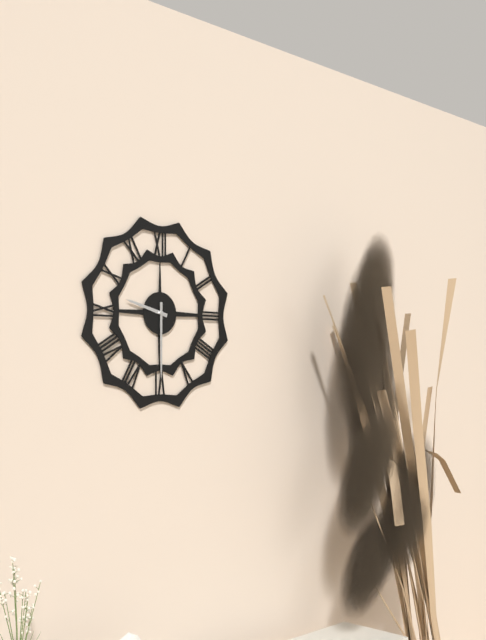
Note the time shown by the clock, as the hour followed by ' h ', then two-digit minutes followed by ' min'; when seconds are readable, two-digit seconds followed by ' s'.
9 h 30 min
